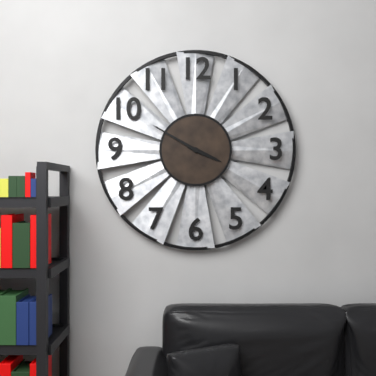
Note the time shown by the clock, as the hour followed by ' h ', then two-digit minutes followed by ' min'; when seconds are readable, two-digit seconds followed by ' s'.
3 h 50 min
